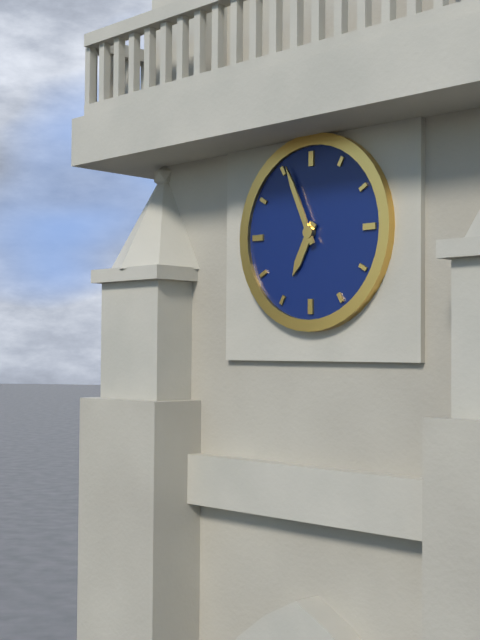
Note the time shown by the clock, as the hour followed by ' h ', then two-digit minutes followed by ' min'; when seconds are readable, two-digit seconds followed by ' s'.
6 h 56 min
